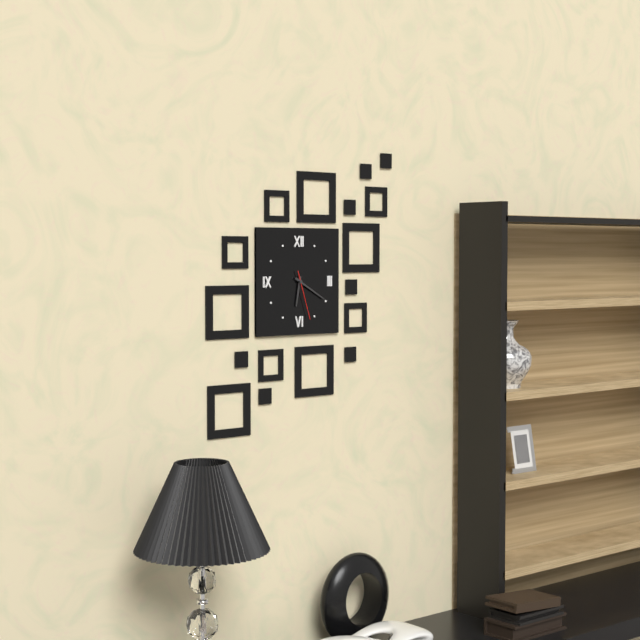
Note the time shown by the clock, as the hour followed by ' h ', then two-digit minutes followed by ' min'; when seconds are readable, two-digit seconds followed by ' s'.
6 h 20 min
